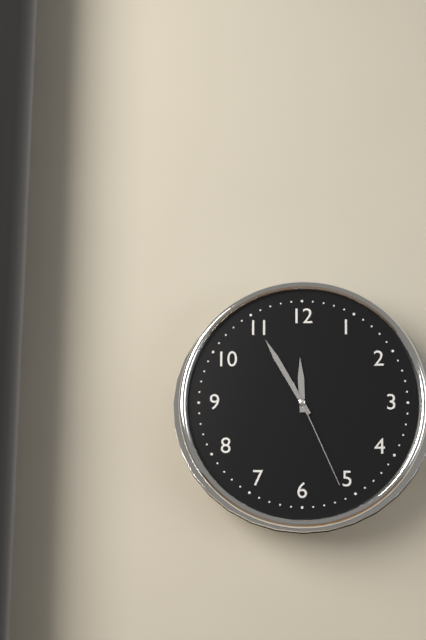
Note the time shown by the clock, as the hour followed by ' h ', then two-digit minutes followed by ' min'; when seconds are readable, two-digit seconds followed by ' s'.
11 h 55 min 26 s
